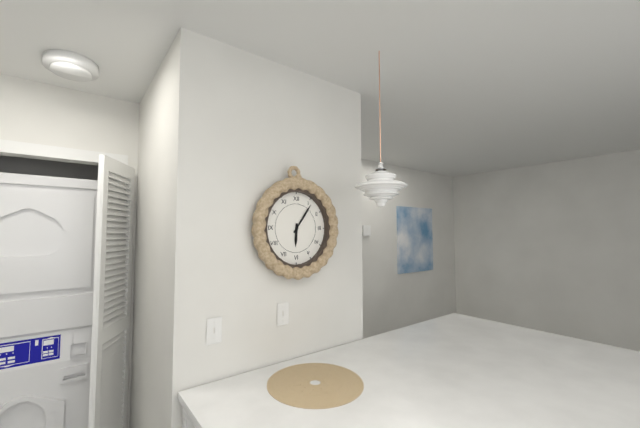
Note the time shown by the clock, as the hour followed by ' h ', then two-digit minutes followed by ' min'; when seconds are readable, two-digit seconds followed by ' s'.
6 h 06 min
